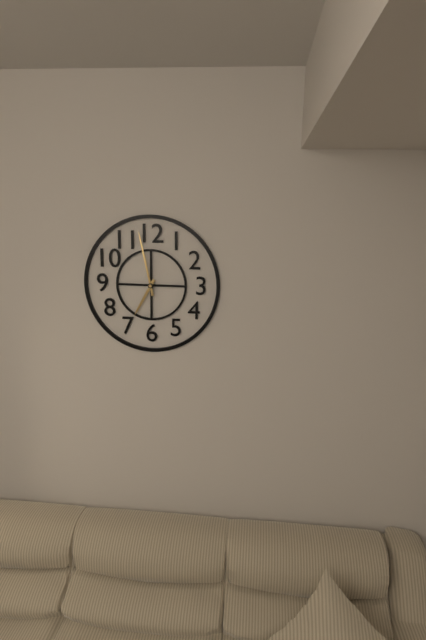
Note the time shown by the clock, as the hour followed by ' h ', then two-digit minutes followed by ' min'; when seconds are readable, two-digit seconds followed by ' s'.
6 h 58 min
